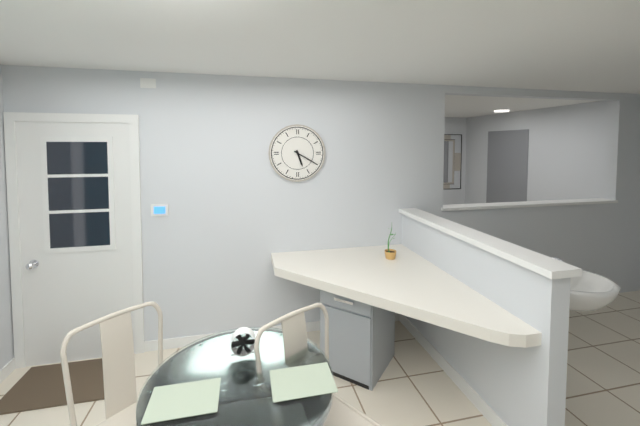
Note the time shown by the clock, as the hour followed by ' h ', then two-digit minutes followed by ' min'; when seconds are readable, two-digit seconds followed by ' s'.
5 h 20 min
